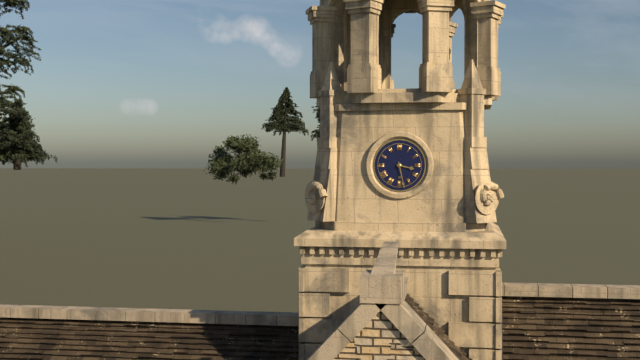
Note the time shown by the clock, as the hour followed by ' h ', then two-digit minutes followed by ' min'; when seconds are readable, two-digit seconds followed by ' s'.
3 h 28 min
